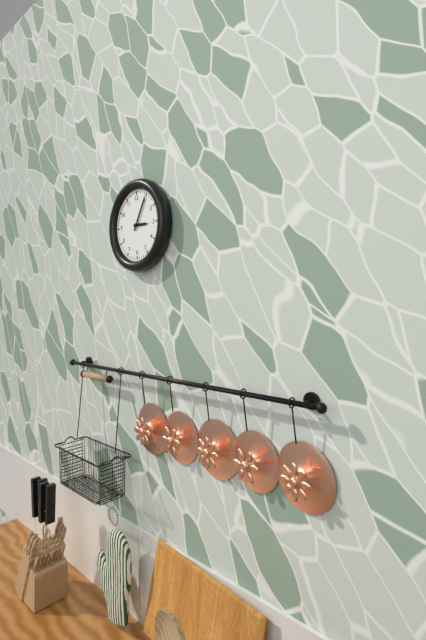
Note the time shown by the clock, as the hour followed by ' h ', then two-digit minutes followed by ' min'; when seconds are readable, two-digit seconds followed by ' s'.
3 h 05 min
